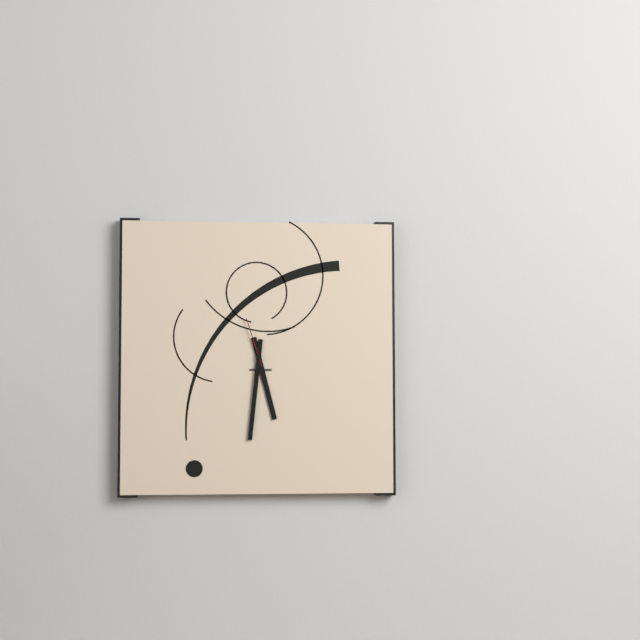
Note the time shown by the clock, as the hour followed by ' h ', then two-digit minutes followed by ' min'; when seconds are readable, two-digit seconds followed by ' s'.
5 h 31 min 57 s
